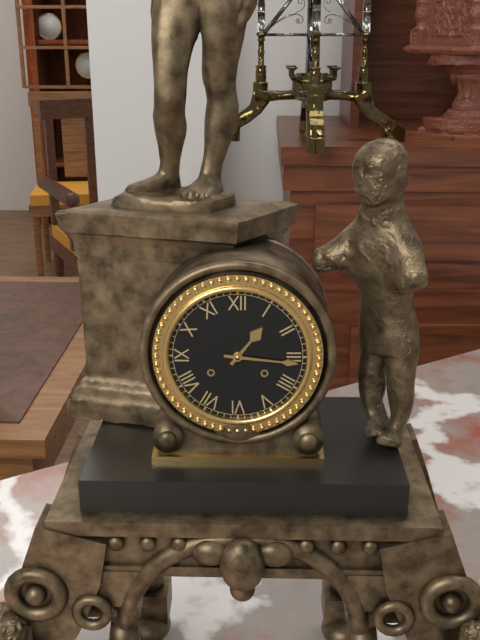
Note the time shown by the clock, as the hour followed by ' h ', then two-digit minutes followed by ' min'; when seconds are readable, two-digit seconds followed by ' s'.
1 h 16 min
